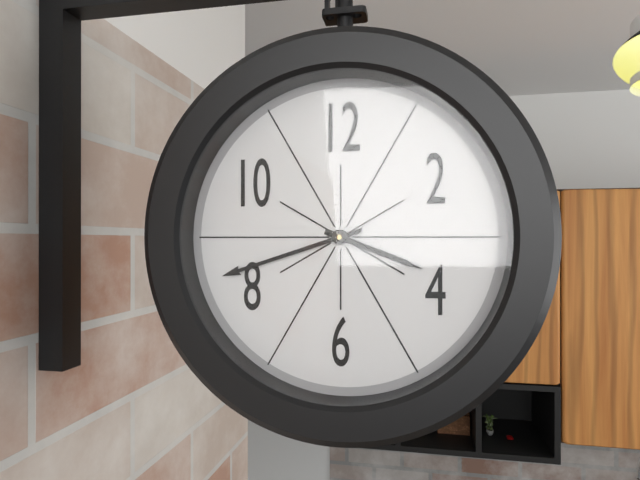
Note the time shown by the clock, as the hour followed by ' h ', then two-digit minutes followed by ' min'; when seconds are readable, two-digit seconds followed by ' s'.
3 h 42 min
